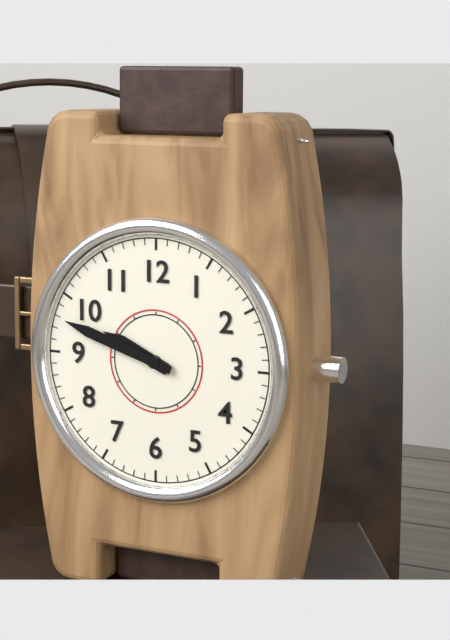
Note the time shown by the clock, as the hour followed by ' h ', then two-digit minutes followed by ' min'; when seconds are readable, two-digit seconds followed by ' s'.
9 h 48 min
